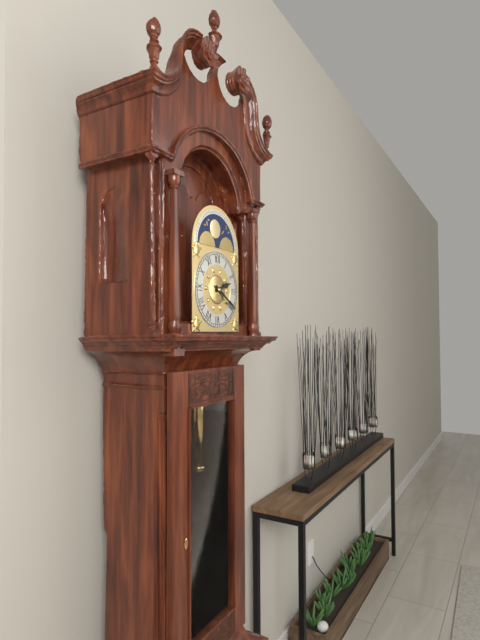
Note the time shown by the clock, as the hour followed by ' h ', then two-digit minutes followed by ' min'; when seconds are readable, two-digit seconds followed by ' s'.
2 h 20 min
